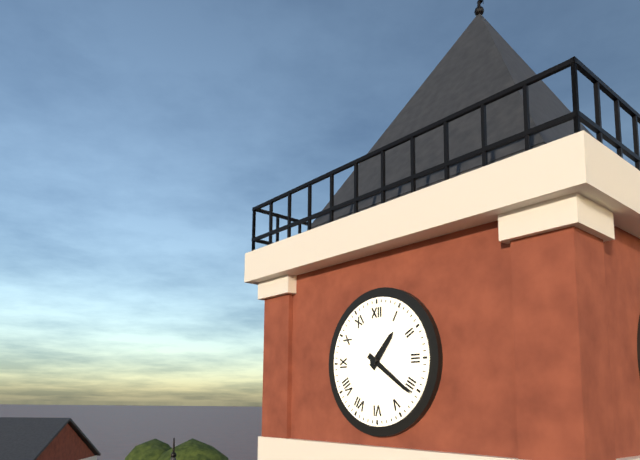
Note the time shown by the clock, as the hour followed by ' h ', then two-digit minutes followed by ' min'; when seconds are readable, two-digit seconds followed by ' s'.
1 h 21 min
